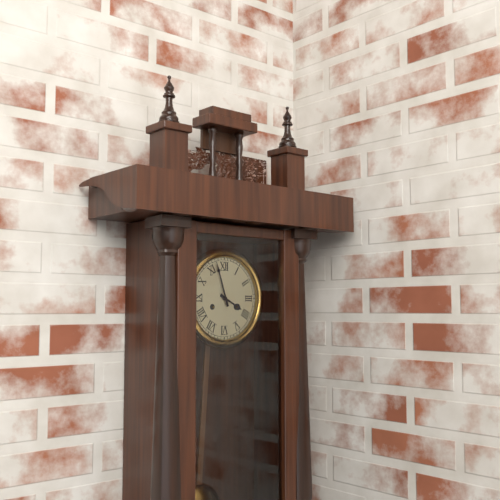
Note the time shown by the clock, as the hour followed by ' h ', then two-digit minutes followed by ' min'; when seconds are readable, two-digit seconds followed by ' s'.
3 h 57 min
